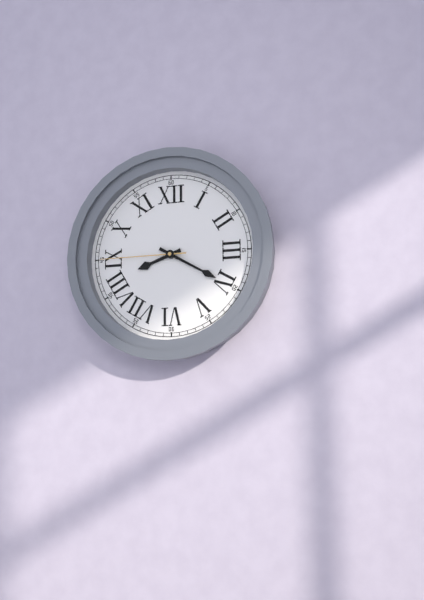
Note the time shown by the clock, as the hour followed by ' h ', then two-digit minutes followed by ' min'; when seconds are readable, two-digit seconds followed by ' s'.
8 h 20 min 45 s
